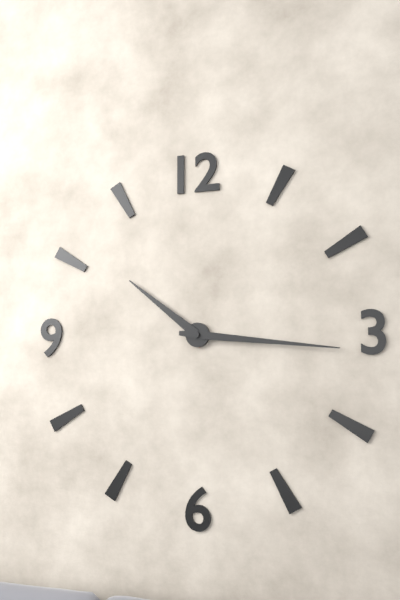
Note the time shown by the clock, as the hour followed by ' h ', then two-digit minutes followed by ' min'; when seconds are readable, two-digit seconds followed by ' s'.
10 h 16 min
